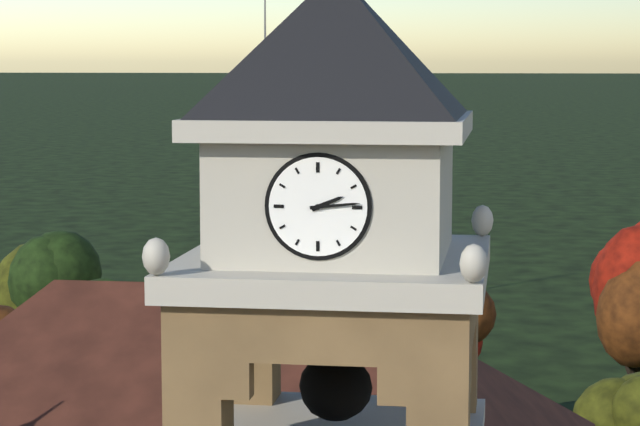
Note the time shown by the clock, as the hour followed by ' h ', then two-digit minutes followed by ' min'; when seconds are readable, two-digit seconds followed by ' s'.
2 h 14 min
